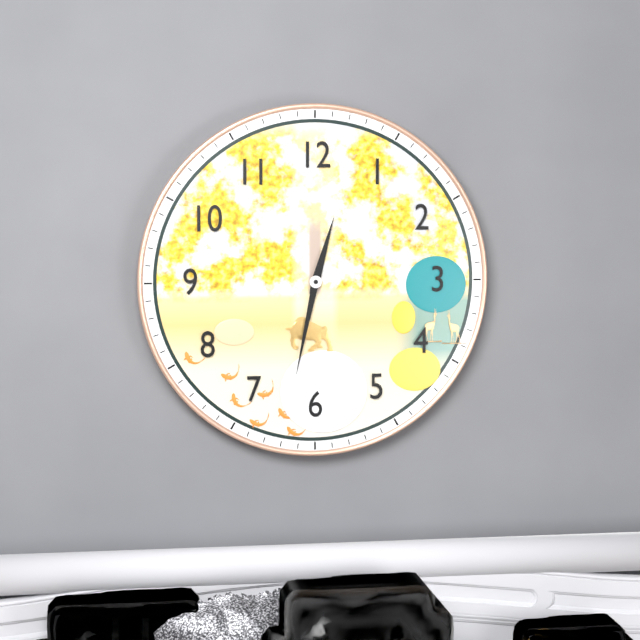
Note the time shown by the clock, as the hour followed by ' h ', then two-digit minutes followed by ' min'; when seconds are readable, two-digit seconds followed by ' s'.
12 h 32 min
